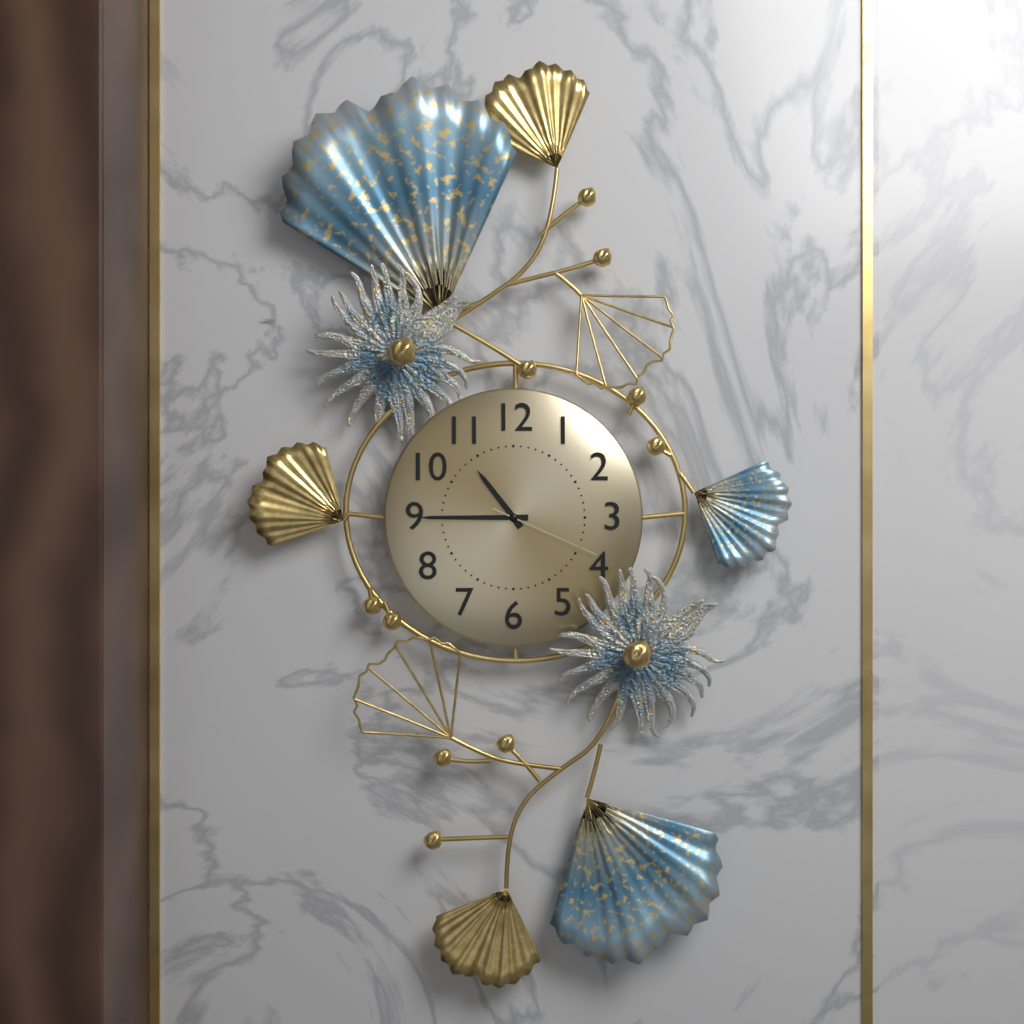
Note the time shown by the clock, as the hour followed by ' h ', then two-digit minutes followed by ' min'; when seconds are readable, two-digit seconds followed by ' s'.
10 h 45 min 19 s
